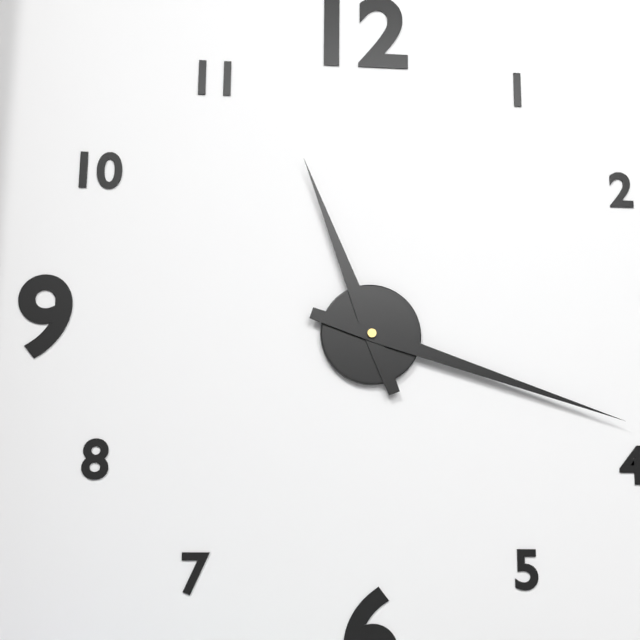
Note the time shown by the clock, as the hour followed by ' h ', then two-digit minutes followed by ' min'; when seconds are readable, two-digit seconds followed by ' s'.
11 h 18 min
